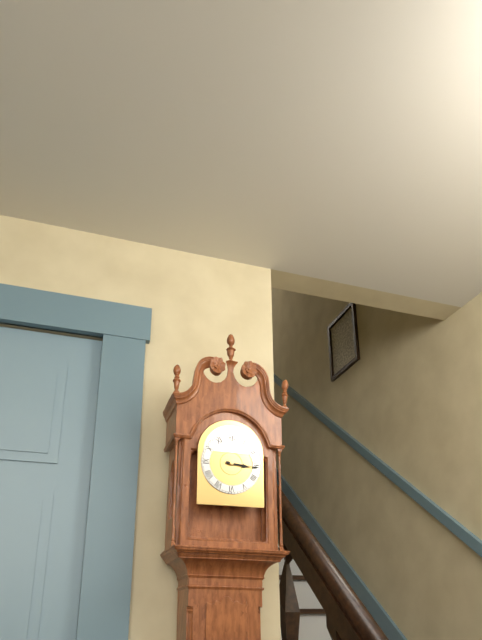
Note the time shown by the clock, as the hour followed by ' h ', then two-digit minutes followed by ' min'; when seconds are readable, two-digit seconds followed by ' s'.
3 h 16 min
